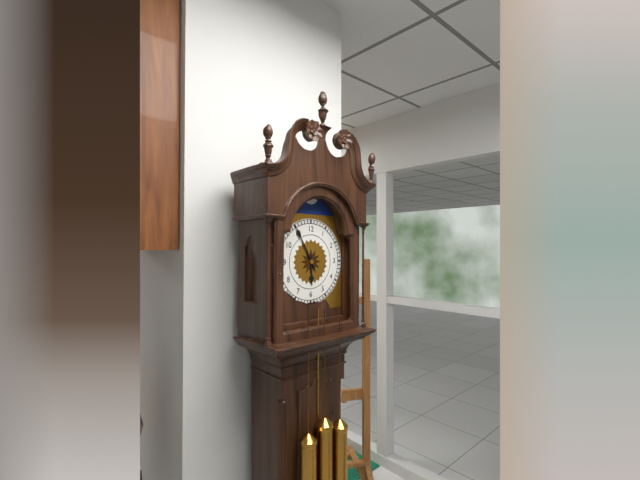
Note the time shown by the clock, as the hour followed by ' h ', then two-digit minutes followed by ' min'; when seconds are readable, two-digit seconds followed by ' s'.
5 h 55 min
